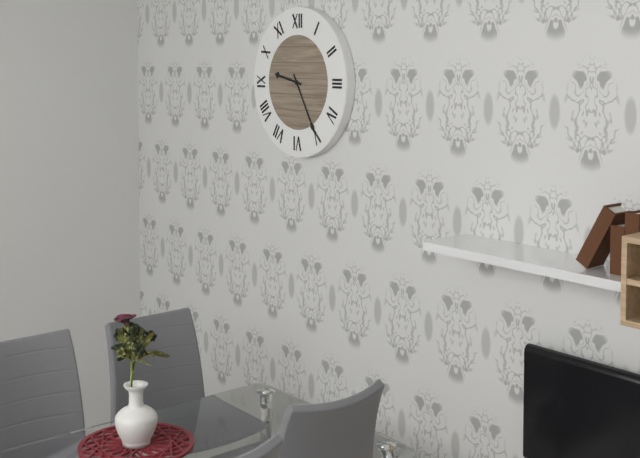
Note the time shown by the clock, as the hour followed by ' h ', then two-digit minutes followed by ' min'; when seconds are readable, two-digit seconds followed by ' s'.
9 h 25 min
